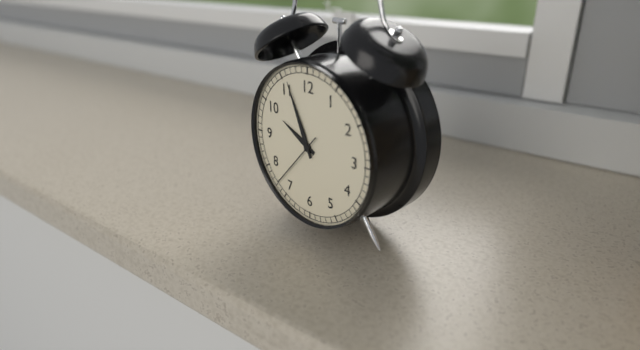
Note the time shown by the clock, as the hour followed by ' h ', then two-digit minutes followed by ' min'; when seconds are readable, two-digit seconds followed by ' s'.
9 h 56 min 37 s
